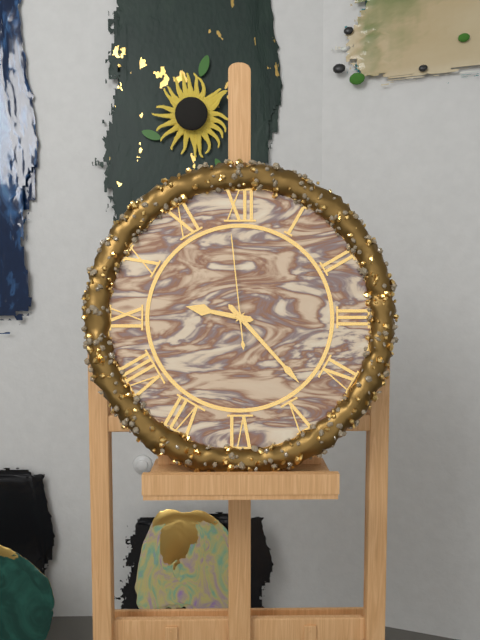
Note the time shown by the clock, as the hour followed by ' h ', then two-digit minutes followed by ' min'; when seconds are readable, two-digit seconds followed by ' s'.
9 h 23 min 59 s
